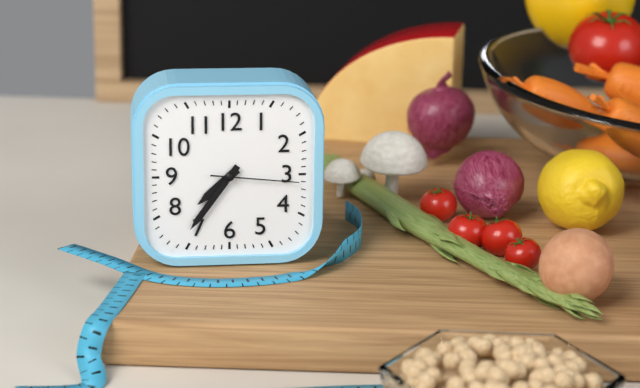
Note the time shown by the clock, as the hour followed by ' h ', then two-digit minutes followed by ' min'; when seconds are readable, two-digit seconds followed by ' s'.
7 h 36 min 16 s
